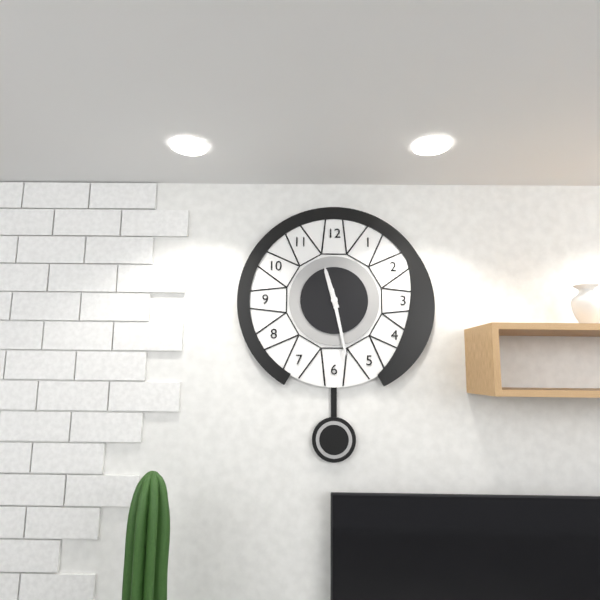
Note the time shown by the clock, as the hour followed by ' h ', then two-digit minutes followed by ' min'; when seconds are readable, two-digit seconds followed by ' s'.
11 h 28 min
